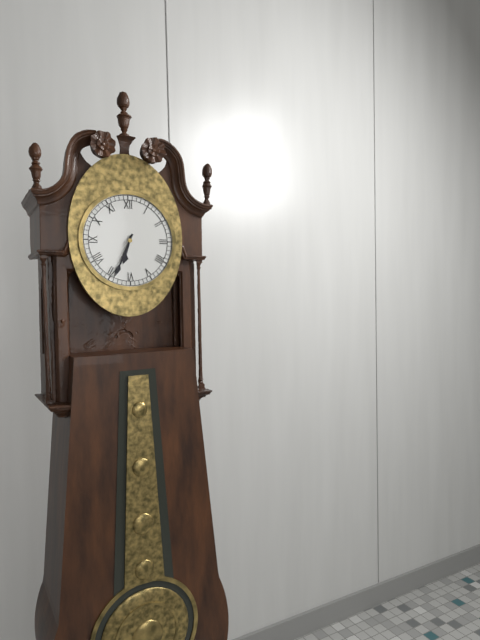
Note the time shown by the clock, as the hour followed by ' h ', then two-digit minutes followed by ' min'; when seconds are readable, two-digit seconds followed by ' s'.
6 h 34 min
